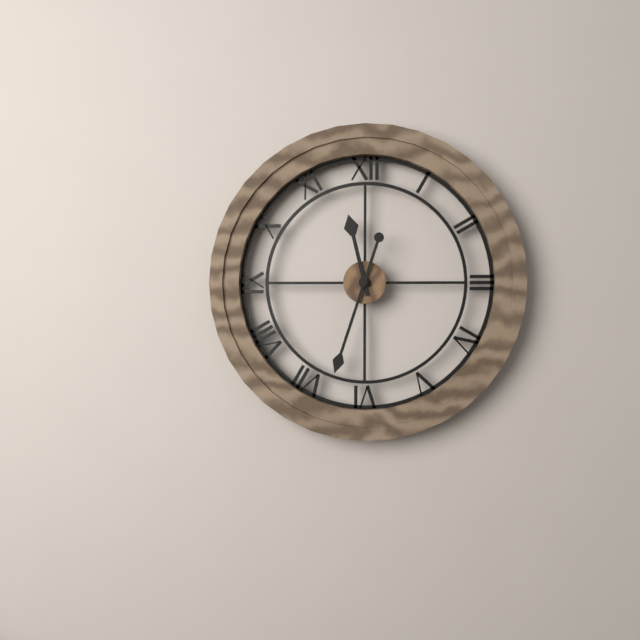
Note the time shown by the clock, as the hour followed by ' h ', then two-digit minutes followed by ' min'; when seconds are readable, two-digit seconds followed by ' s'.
11 h 33 min
